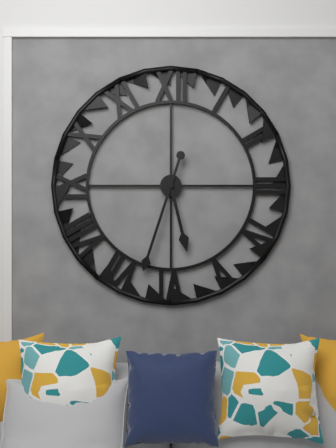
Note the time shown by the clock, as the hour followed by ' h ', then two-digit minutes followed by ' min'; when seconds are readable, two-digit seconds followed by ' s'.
5 h 33 min
